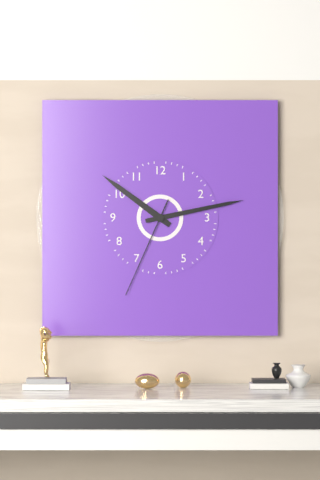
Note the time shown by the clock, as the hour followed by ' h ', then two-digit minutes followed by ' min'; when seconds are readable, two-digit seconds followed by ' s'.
10 h 13 min 34 s
